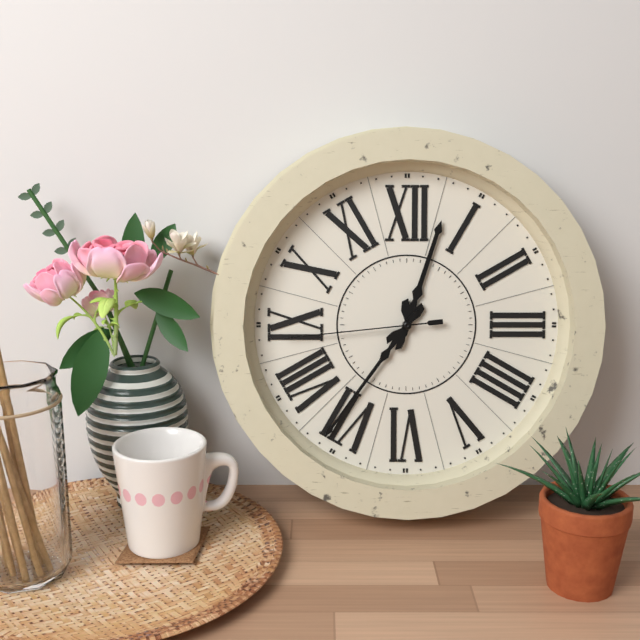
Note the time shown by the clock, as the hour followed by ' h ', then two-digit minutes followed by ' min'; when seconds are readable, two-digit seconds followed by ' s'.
12 h 36 min 44 s
